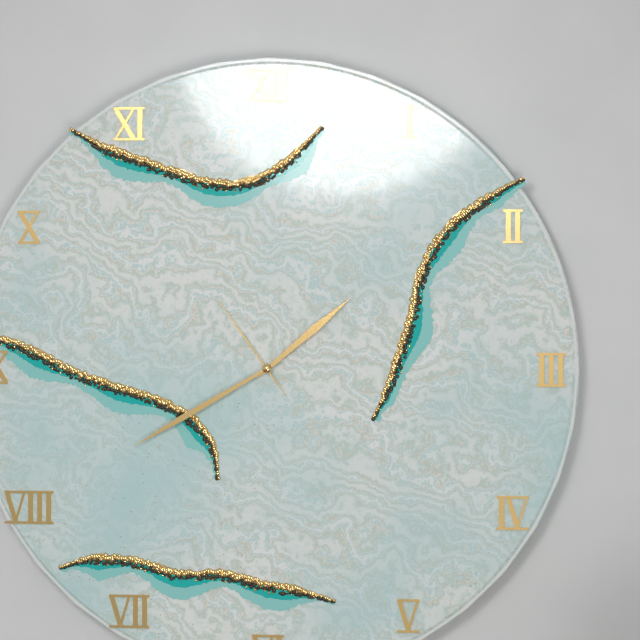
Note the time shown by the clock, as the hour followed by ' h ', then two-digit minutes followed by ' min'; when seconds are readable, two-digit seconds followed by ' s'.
1 h 40 min 54 s
